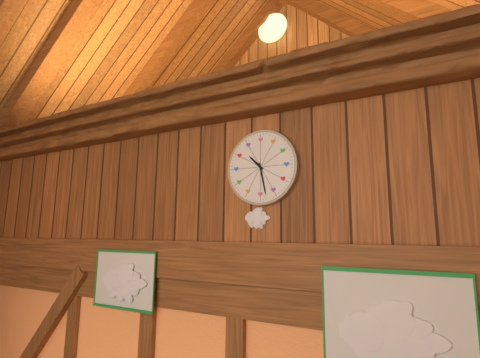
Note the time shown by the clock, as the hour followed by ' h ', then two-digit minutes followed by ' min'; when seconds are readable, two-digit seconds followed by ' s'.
10 h 28 min
